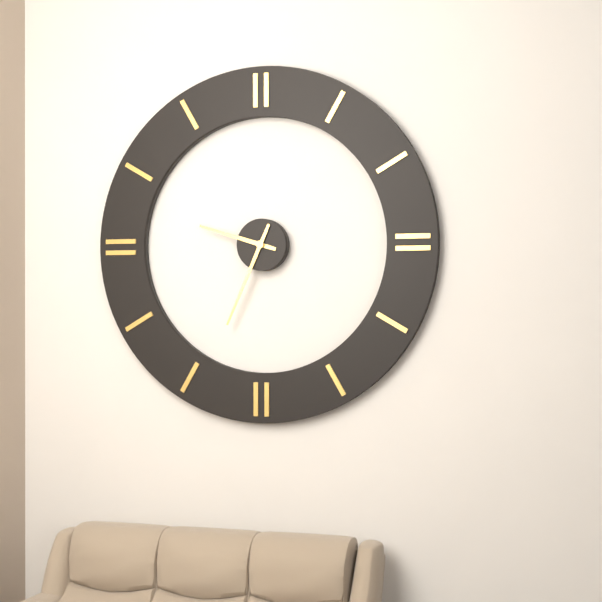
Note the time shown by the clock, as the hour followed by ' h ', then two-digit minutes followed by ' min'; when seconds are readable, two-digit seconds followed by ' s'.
9 h 34 min
